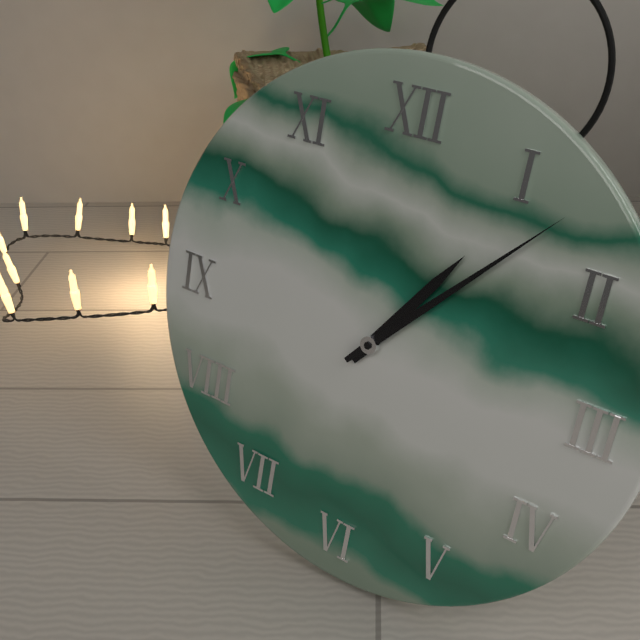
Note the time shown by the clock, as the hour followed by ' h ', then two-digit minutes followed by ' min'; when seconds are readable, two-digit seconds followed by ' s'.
1 h 07 min
